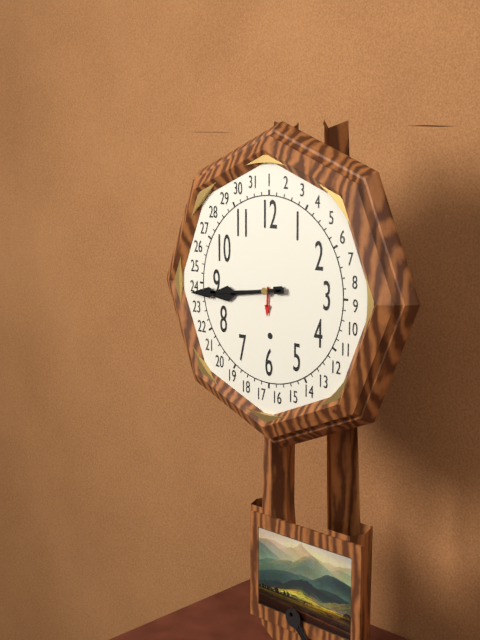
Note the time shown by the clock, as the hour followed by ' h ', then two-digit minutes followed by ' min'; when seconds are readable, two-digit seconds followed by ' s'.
8 h 44 min
